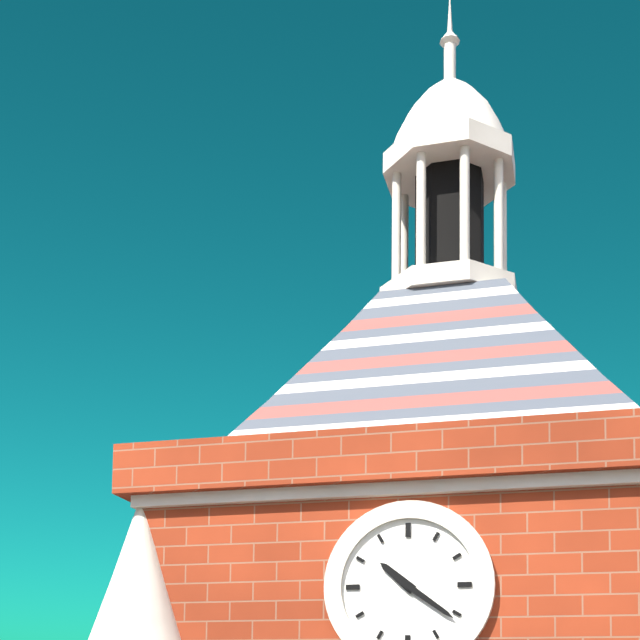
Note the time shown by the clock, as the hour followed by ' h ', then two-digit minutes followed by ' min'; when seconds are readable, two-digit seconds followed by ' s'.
10 h 21 min
